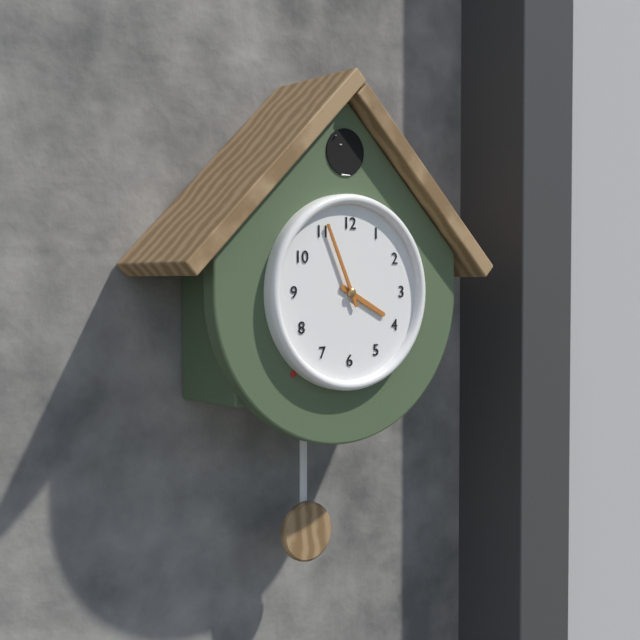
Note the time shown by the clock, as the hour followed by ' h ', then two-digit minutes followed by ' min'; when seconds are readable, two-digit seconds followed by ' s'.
3 h 56 min
